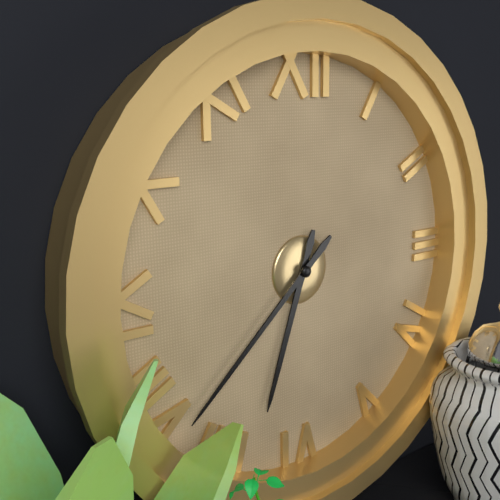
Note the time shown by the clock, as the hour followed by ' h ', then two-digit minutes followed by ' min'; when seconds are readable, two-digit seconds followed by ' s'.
6 h 38 min
